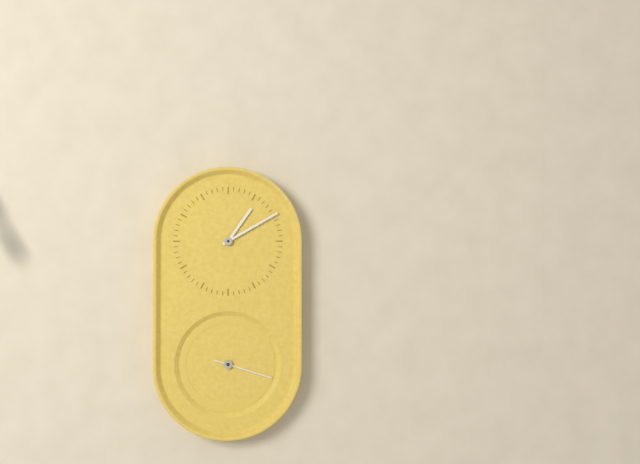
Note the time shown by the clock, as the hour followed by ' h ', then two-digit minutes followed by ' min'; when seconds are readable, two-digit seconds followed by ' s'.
1 h 10 min 18 s
